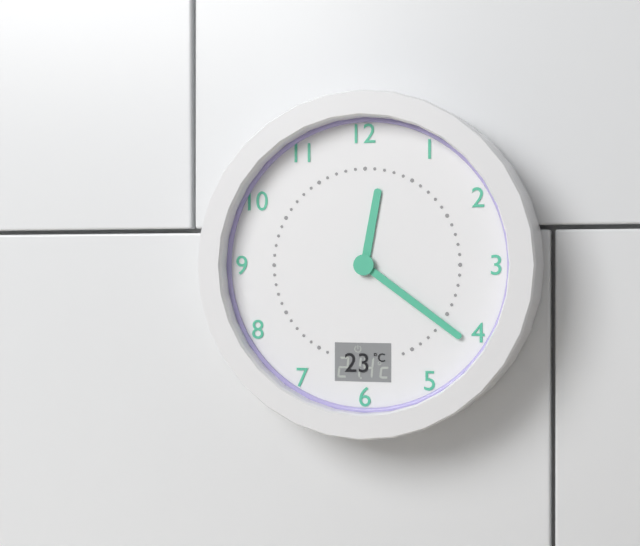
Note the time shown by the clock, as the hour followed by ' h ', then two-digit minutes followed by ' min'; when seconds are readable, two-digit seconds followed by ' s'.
12 h 21 min
